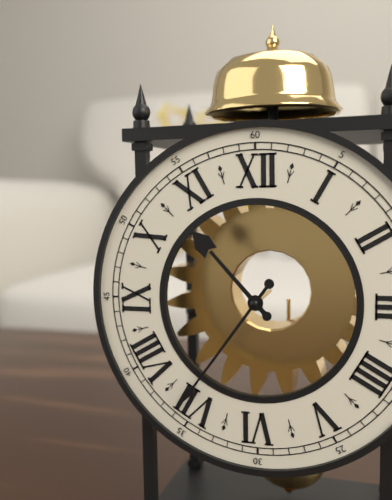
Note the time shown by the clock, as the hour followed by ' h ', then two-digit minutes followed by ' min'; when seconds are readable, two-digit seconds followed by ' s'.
10 h 36 min
